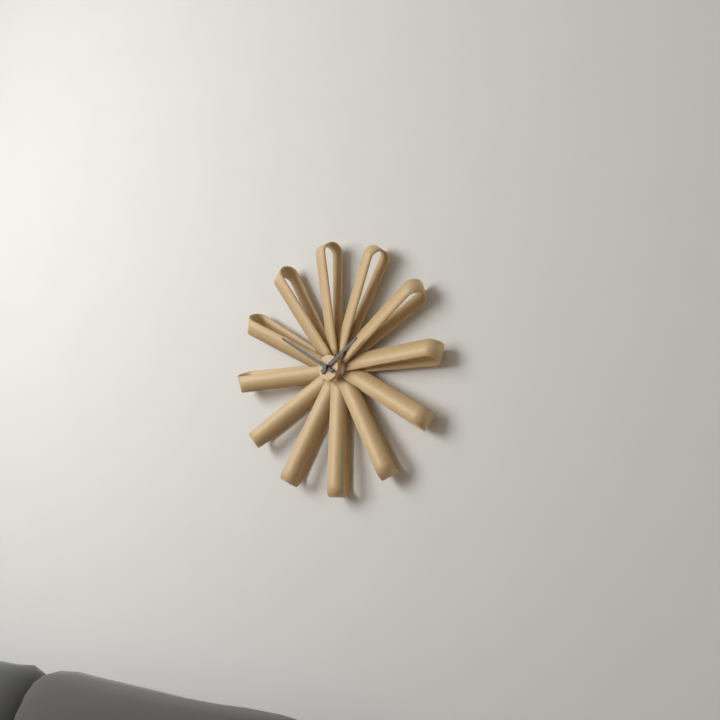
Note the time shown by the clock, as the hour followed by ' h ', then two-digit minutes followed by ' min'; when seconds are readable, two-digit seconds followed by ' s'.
1 h 50 min
